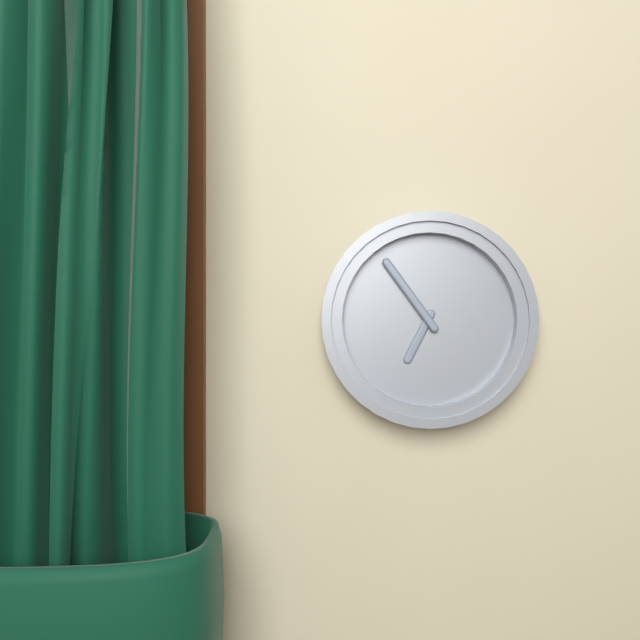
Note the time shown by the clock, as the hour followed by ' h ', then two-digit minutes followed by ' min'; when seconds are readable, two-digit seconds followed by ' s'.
6 h 54 min
